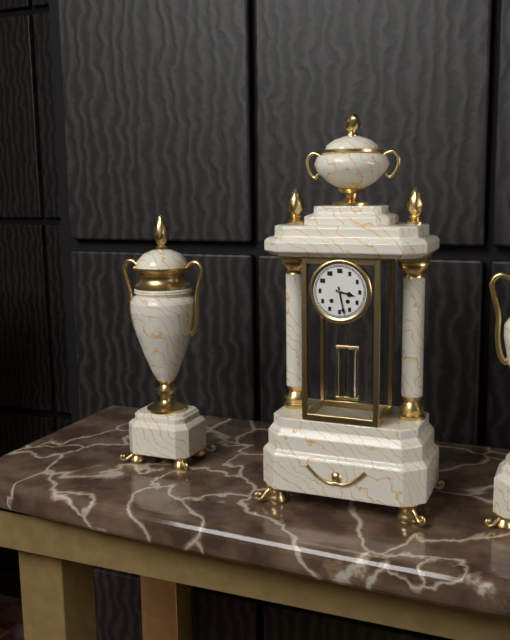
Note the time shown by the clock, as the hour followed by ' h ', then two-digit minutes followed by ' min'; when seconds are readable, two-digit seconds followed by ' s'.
3 h 28 min
